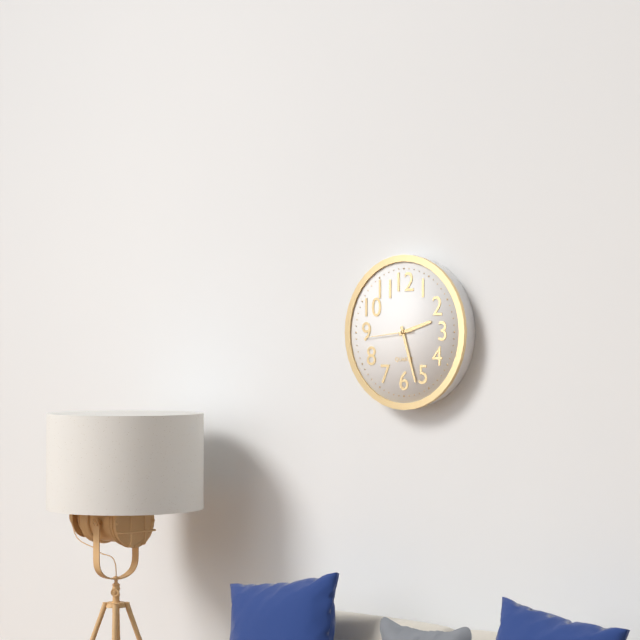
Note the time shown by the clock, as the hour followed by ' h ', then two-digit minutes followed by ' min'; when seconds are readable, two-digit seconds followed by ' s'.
2 h 27 min
